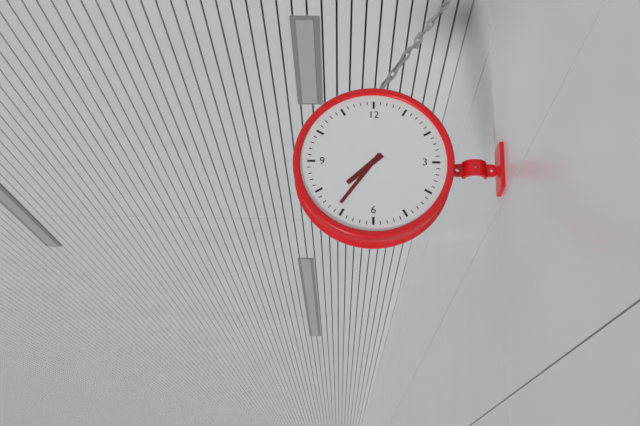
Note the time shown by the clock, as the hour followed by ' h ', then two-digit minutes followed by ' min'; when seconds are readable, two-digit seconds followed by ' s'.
7 h 36 min
